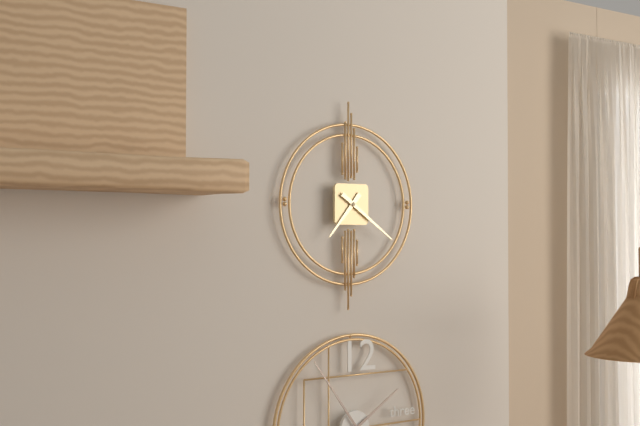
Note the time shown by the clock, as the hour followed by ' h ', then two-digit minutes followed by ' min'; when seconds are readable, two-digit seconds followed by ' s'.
7 h 21 min
